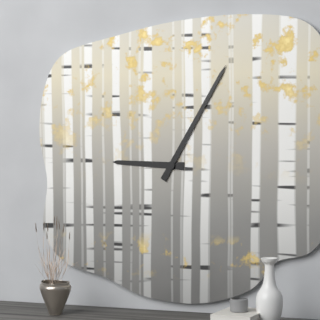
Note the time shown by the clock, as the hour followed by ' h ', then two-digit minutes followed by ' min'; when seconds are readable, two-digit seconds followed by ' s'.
9 h 05 min
